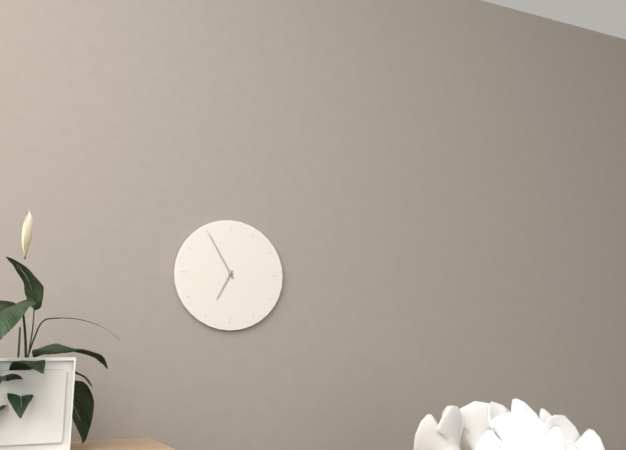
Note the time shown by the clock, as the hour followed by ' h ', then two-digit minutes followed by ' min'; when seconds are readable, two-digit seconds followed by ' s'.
6 h 55 min
